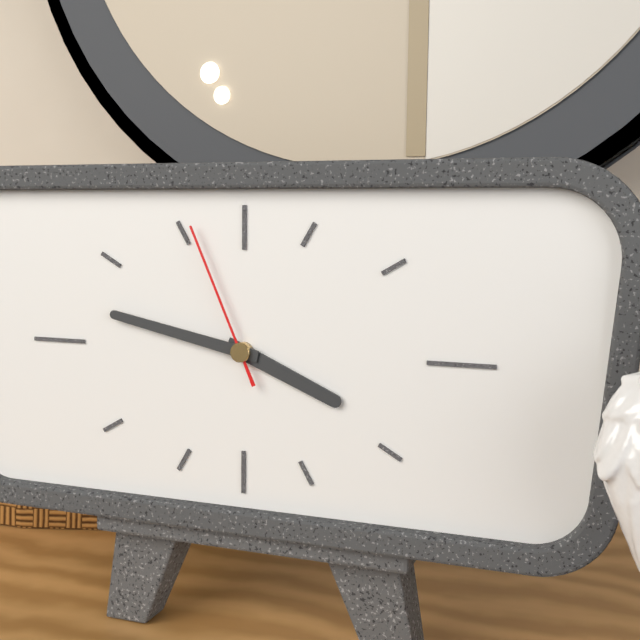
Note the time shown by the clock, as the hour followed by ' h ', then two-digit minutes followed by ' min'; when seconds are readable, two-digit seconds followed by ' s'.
3 h 47 min 56 s
